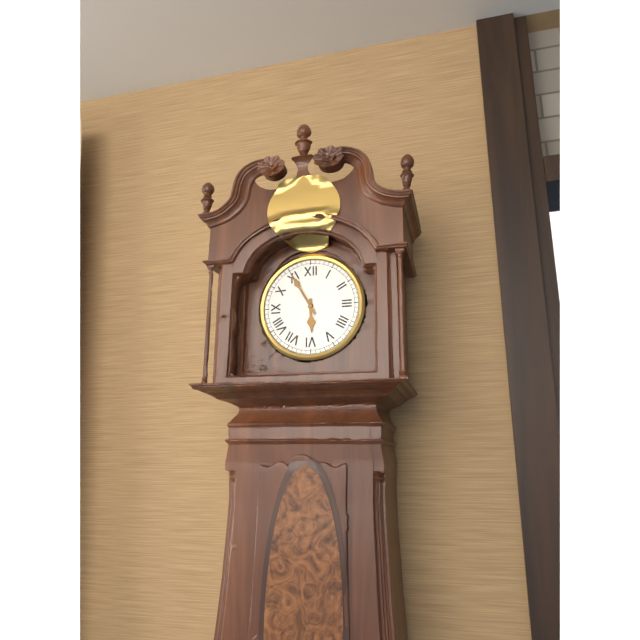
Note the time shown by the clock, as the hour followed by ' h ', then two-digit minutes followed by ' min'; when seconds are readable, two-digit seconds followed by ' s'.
5 h 55 min
